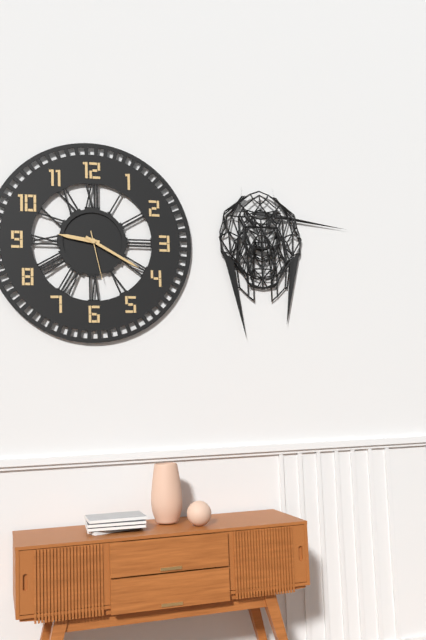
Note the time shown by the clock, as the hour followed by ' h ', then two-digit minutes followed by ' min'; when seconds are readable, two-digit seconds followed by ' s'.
9 h 20 min
